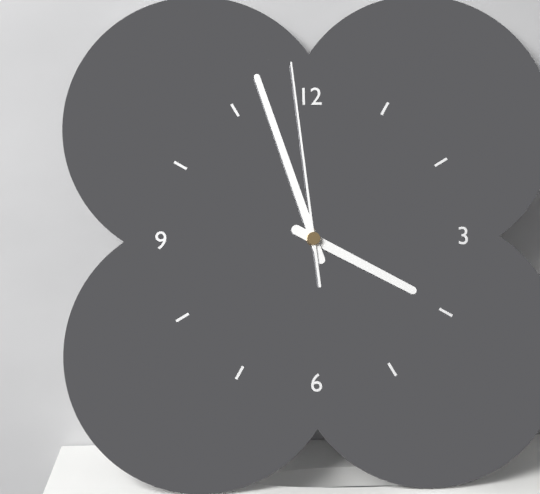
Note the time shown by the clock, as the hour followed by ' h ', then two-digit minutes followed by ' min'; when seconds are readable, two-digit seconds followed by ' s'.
3 h 57 min 59 s
